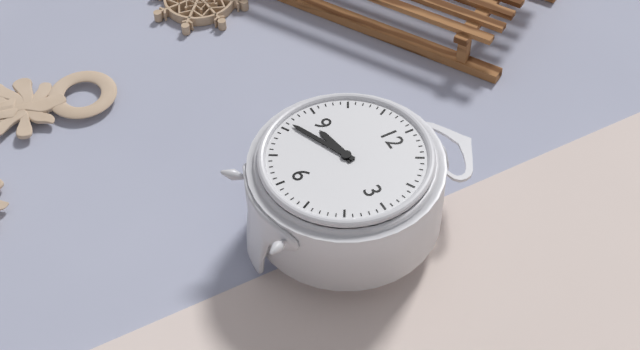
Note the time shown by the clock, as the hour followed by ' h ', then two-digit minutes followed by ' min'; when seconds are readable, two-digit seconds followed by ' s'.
8 h 41 min
